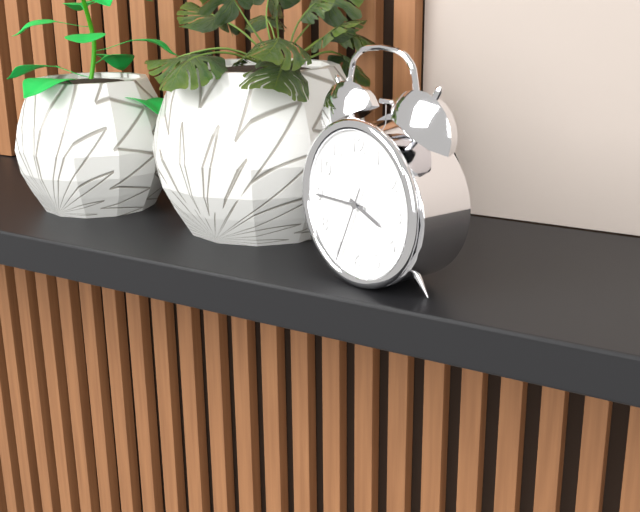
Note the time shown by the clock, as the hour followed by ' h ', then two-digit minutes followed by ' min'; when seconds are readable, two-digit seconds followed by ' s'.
3 h 45 min 34 s
